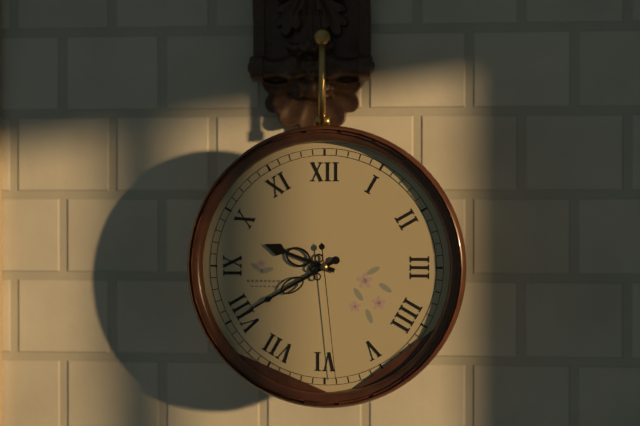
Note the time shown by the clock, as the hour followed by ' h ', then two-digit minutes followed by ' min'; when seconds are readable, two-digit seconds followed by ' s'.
9 h 40 min 29 s
